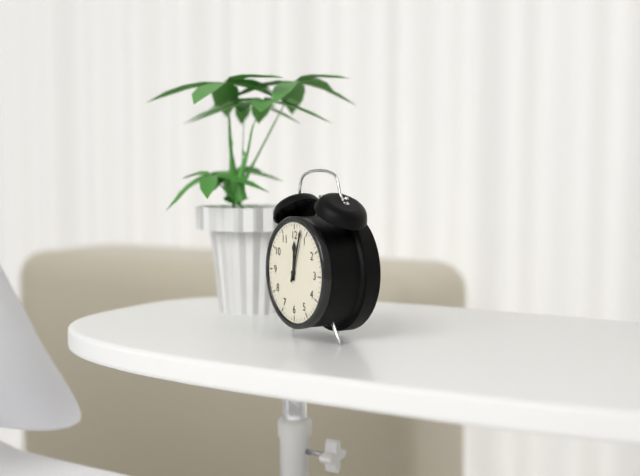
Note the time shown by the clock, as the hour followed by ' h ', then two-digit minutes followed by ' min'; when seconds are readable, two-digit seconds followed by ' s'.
12 h 03 min
